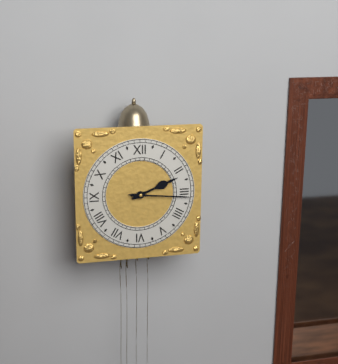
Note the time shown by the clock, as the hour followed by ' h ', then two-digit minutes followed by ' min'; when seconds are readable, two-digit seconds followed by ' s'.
2 h 16 min
